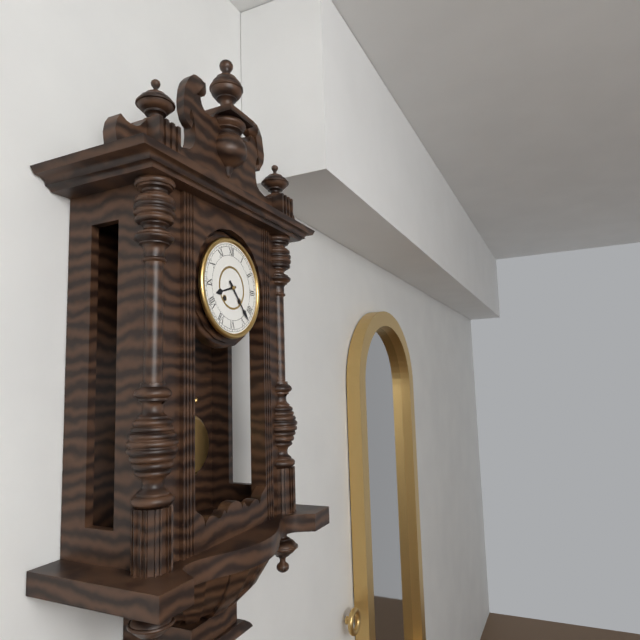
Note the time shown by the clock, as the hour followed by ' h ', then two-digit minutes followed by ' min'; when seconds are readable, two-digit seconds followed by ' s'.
8 h 23 min
